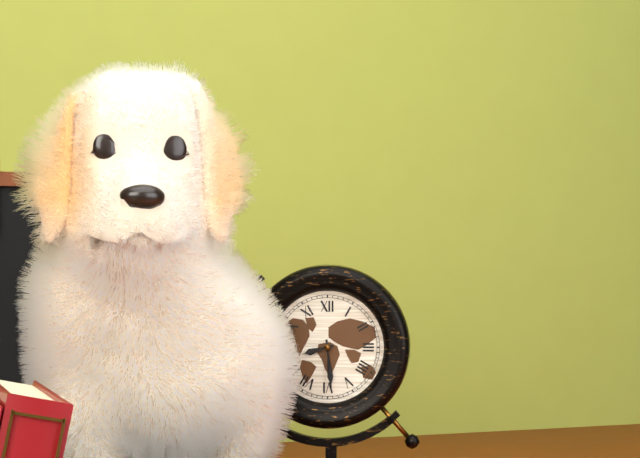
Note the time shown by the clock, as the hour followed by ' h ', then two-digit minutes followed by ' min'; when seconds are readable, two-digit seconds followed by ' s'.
8 h 29 min
